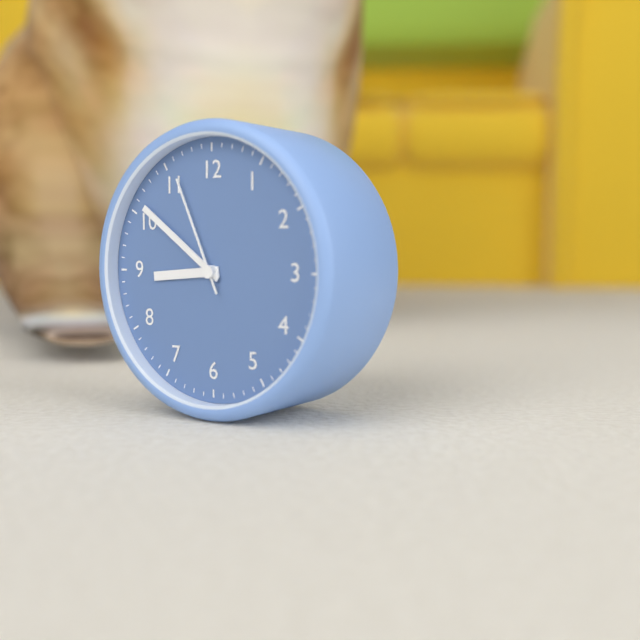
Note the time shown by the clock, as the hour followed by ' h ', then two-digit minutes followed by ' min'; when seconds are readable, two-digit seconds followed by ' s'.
8 h 51 min 56 s
